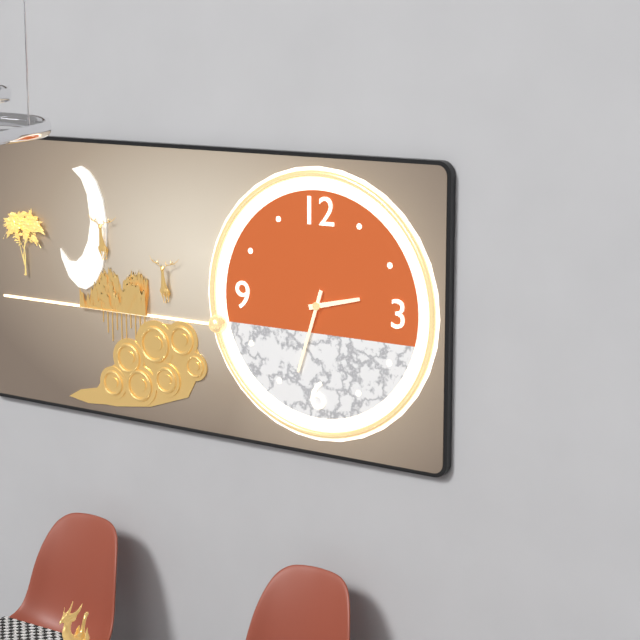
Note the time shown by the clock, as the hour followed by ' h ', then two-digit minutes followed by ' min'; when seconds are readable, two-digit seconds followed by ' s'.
2 h 33 min
